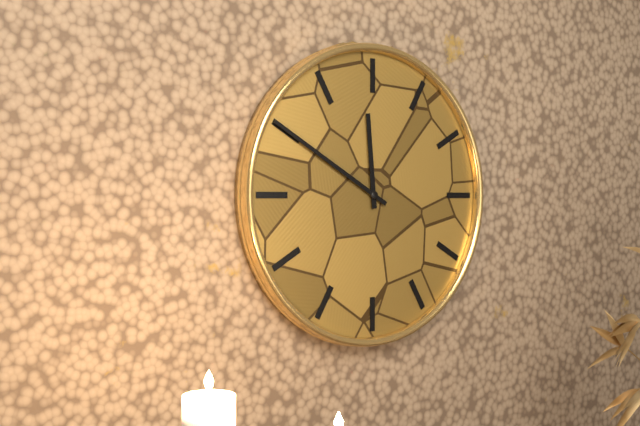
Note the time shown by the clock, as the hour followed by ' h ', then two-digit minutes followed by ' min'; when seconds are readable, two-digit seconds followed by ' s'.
11 h 50 min
